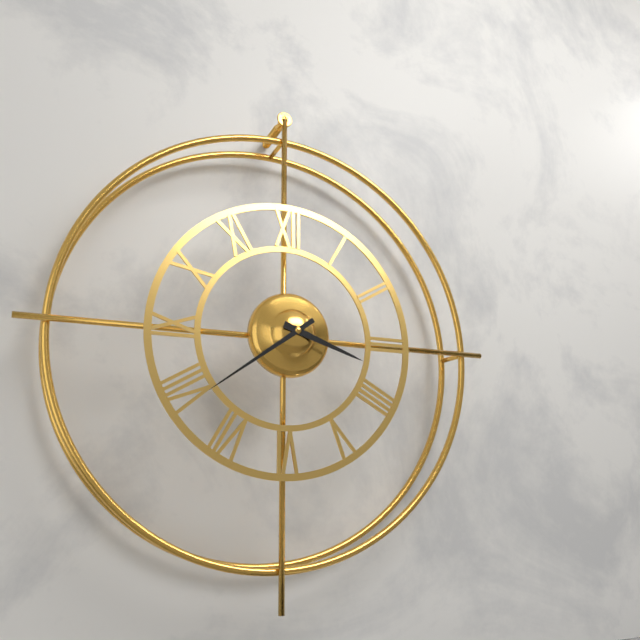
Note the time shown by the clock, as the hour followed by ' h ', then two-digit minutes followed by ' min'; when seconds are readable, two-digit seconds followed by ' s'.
3 h 39 min
